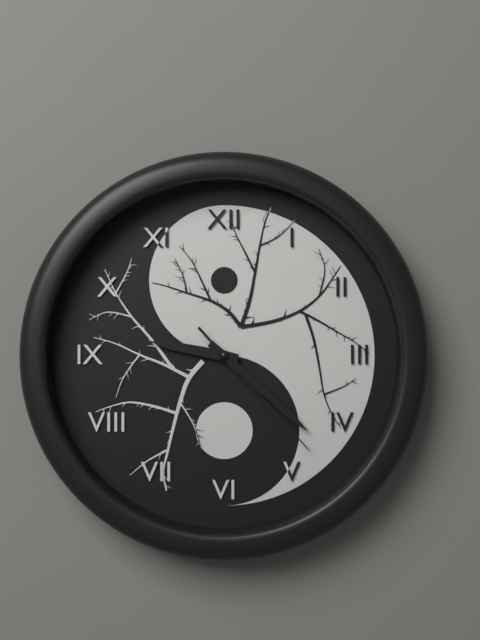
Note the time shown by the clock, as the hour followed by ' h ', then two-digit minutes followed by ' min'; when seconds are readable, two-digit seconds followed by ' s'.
9 h 22 min 23 s
